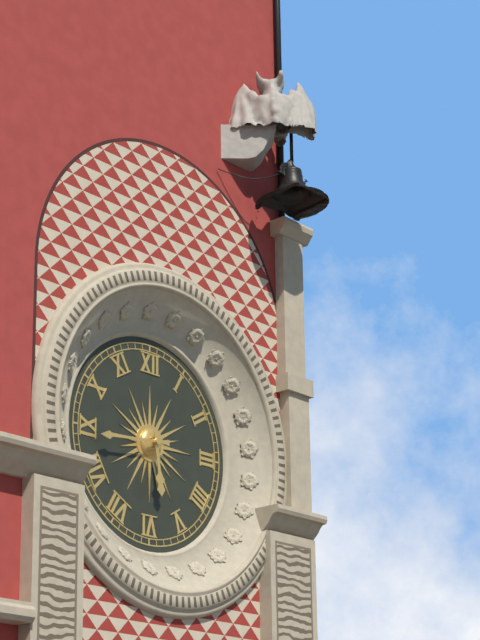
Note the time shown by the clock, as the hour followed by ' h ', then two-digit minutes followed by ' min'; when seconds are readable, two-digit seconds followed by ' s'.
5 h 44 min
